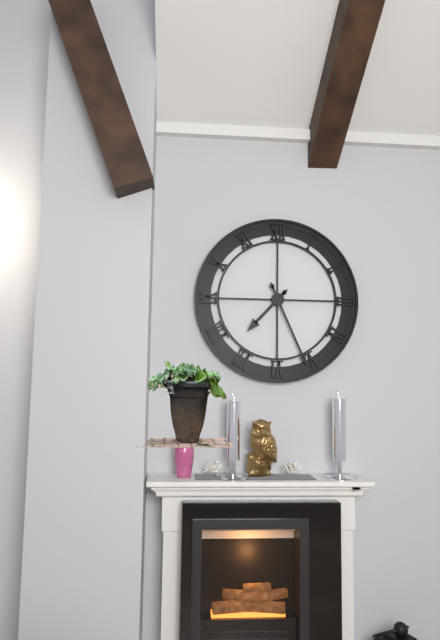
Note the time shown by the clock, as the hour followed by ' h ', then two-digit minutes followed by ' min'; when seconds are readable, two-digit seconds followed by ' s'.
7 h 26 min
